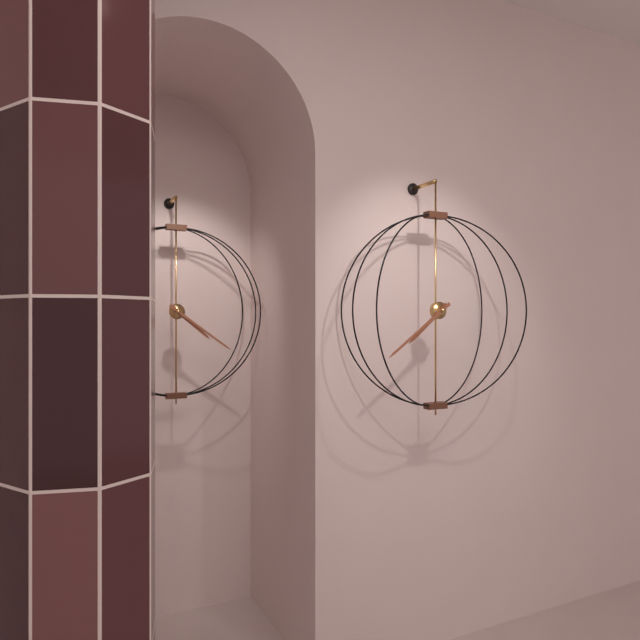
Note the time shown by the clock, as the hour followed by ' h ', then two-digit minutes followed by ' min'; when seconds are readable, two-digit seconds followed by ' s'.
7 h 39 min
